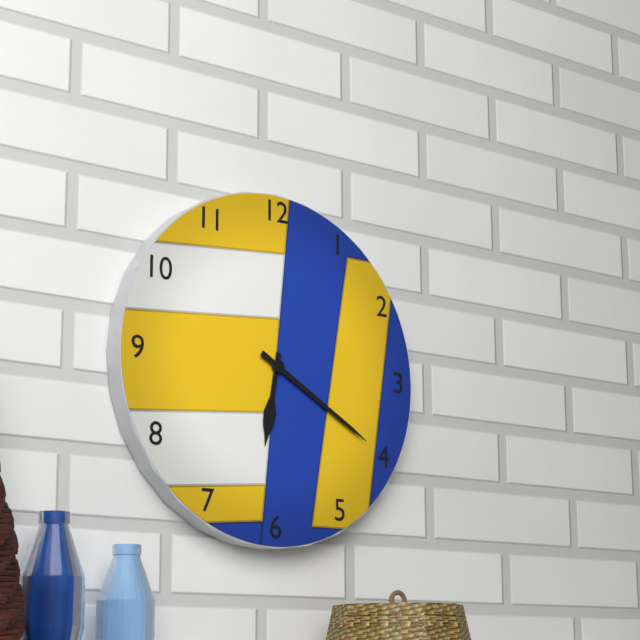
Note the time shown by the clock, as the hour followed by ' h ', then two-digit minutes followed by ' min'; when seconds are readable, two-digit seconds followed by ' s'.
6 h 20 min
